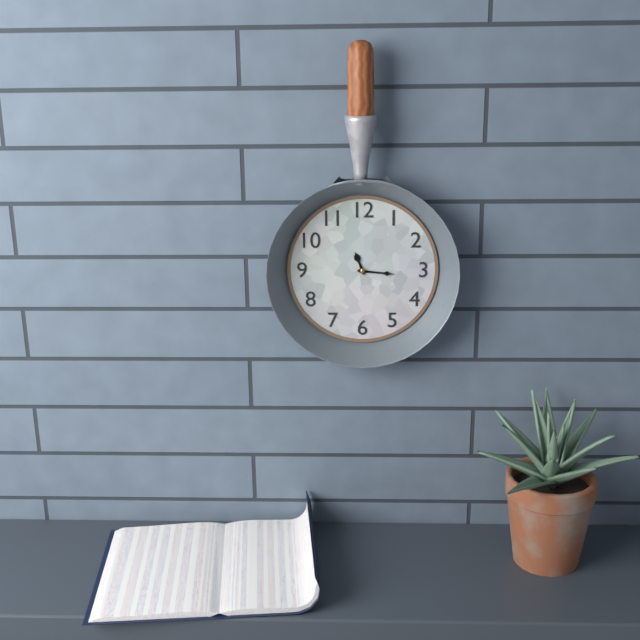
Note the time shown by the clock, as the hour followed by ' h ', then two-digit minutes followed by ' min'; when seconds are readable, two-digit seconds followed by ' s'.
11 h 16 min
